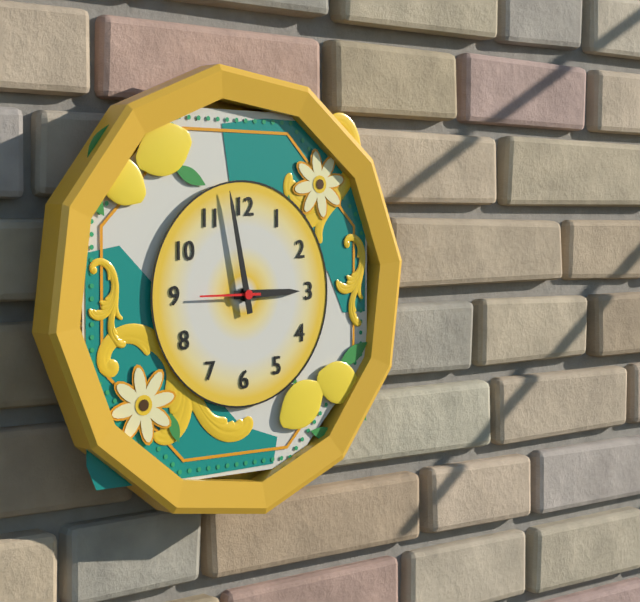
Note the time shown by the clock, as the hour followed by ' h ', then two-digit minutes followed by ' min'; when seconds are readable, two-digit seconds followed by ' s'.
2 h 58 min 45 s
